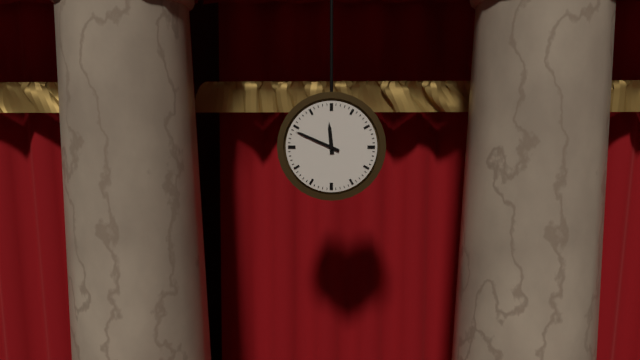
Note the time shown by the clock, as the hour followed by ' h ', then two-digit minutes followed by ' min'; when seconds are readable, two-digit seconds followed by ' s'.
11 h 49 min
